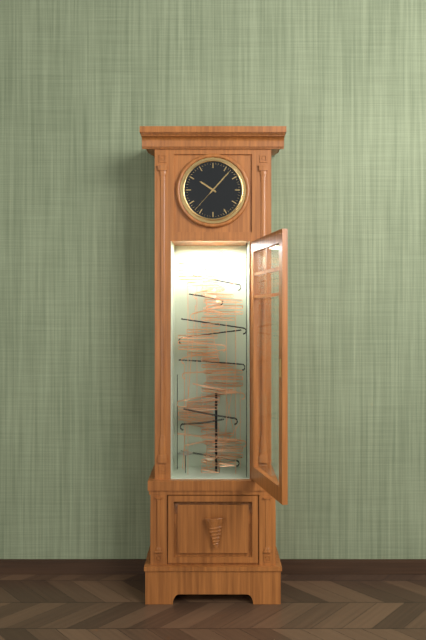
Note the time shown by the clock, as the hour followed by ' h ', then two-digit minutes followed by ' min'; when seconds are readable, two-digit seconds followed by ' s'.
10 h 07 min
